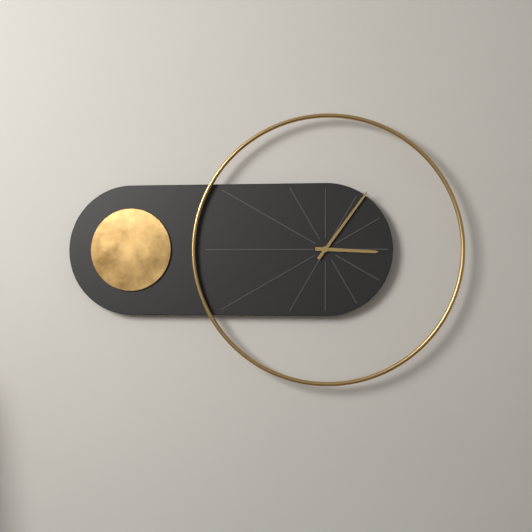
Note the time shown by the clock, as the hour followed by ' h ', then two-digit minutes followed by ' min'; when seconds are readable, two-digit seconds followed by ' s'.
3 h 06 min
